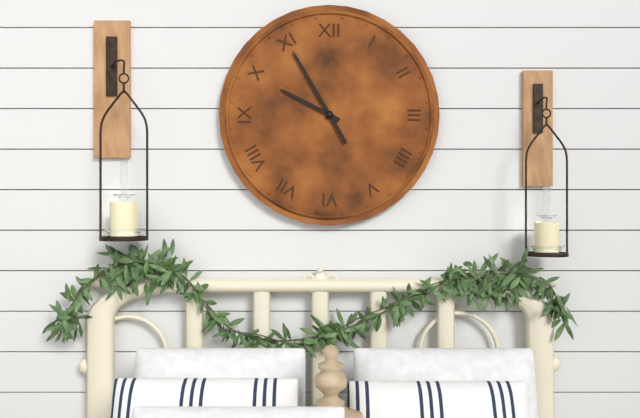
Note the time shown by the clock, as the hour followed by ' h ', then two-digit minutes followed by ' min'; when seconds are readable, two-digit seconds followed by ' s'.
9 h 55 min
